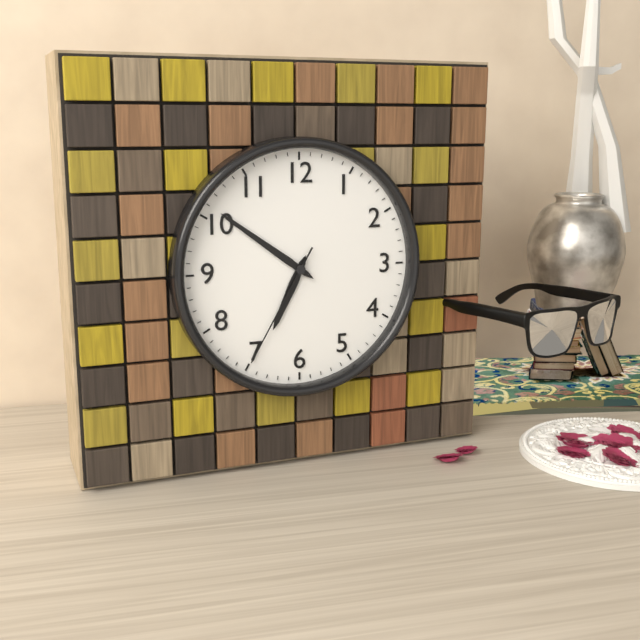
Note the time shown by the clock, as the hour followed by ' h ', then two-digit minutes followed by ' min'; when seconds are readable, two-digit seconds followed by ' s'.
6 h 51 min 35 s
